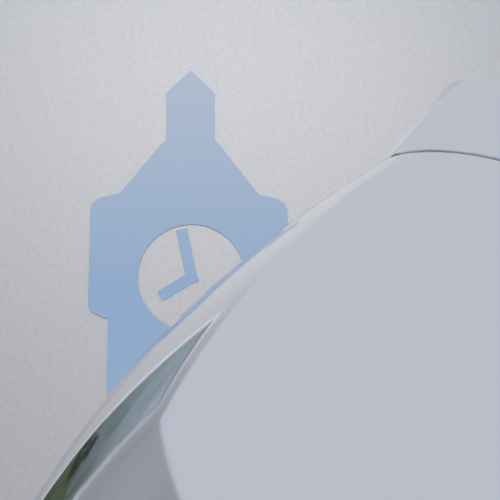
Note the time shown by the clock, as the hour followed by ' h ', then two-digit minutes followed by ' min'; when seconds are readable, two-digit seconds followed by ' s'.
7 h 58 min
